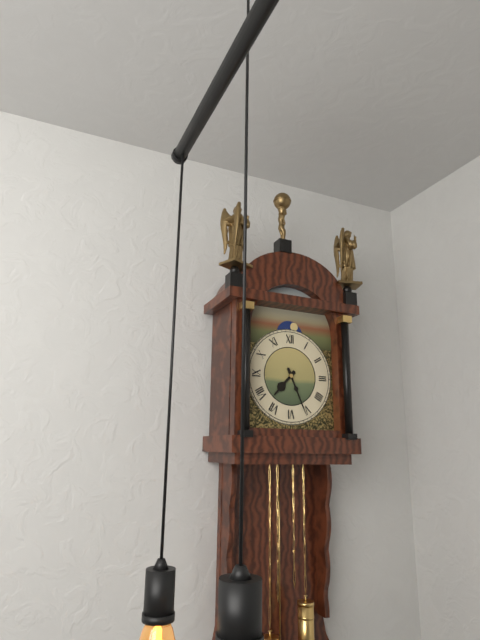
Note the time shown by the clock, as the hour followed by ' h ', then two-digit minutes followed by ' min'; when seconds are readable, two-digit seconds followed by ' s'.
7 h 26 min
